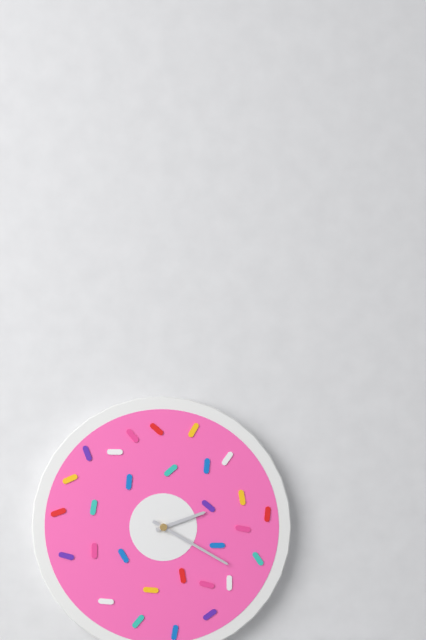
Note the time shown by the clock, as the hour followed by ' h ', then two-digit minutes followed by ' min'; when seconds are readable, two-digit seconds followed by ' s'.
2 h 20 min
